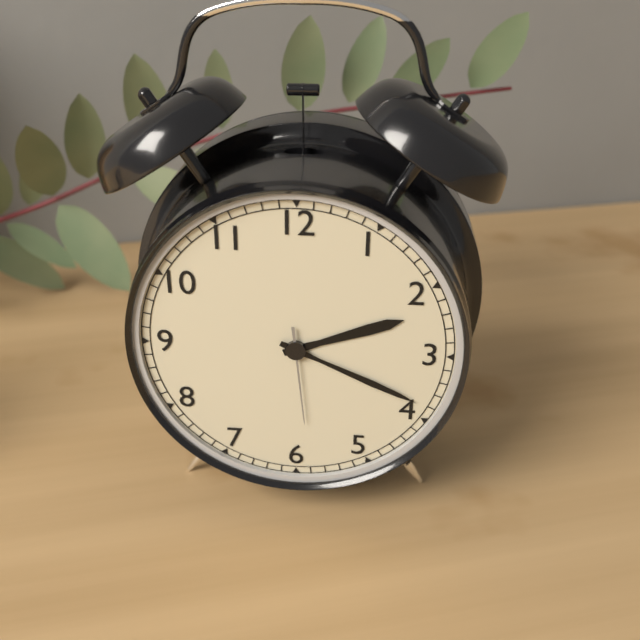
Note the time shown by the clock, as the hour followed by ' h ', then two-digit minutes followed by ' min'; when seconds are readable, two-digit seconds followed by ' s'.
2 h 19 min 29 s
